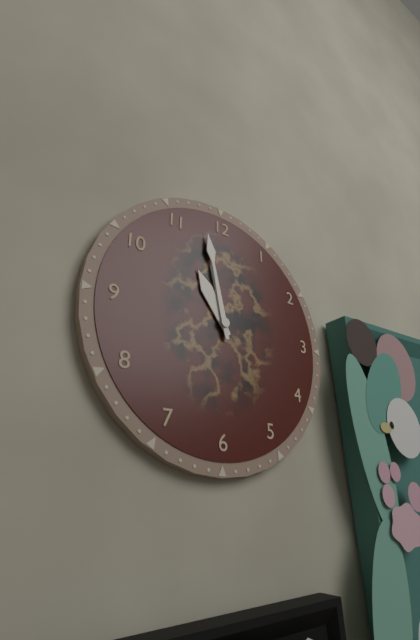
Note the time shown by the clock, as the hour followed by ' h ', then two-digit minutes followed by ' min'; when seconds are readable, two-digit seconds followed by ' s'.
10 h 58 min
